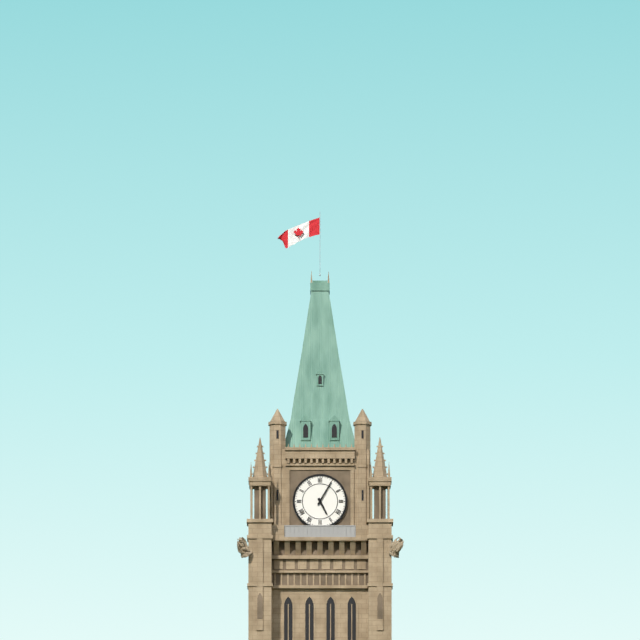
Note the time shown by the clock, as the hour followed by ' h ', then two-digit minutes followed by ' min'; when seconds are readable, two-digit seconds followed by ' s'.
5 h 05 min
